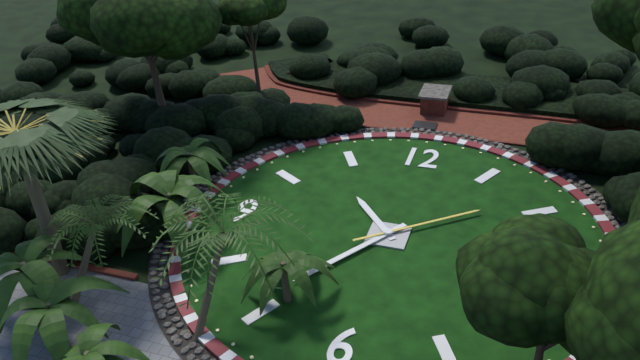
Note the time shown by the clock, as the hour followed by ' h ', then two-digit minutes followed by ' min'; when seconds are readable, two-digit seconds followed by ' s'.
10 h 36 min 09 s
